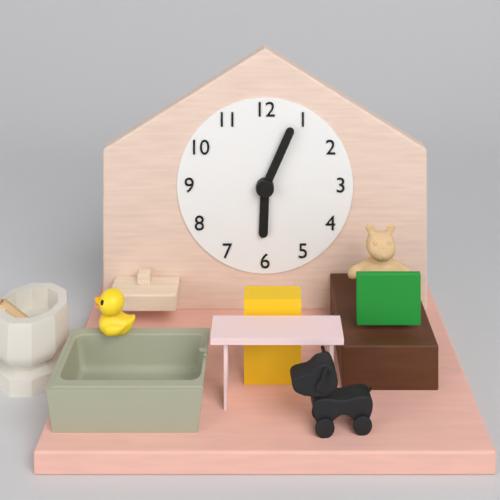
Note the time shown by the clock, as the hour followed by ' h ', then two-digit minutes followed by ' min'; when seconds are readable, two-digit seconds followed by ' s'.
6 h 04 min
